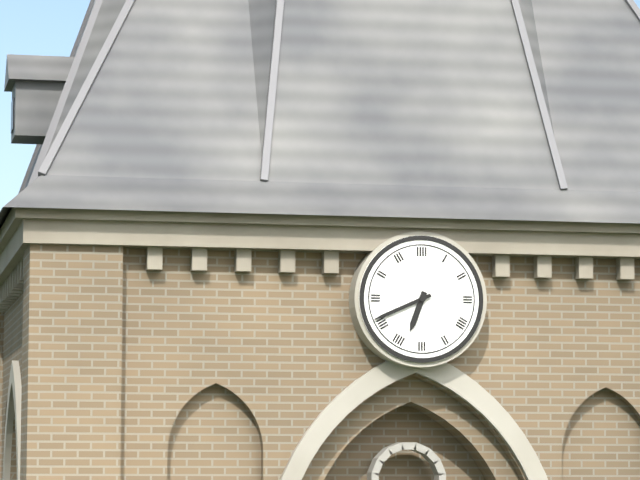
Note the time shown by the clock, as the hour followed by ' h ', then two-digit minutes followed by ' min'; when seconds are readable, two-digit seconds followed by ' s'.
6 h 41 min
